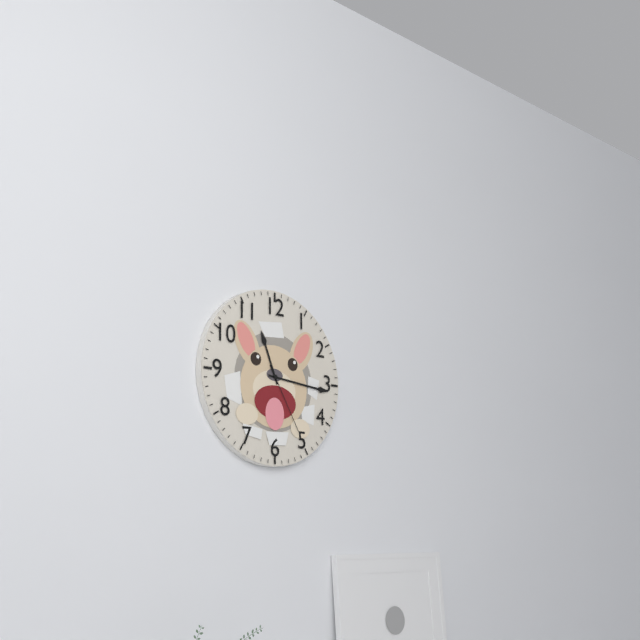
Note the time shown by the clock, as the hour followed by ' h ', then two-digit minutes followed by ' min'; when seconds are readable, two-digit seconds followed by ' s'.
11 h 16 min 25 s
